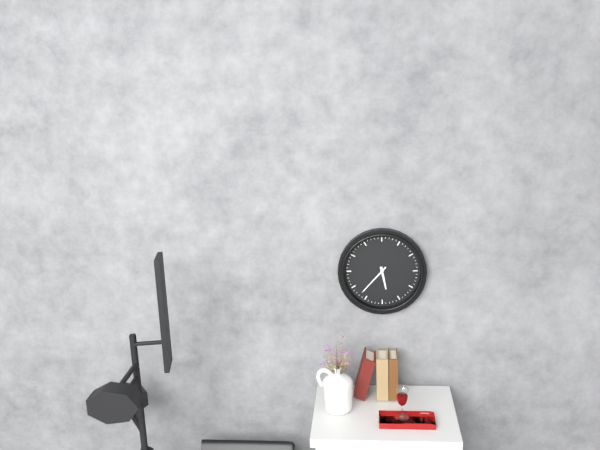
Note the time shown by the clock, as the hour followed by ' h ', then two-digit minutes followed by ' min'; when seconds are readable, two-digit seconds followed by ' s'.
5 h 37 min
